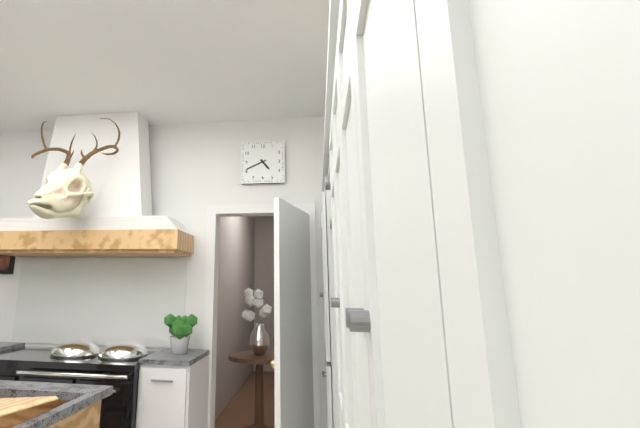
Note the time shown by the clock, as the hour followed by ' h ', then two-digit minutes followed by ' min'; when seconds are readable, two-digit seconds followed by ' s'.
4 h 41 min
